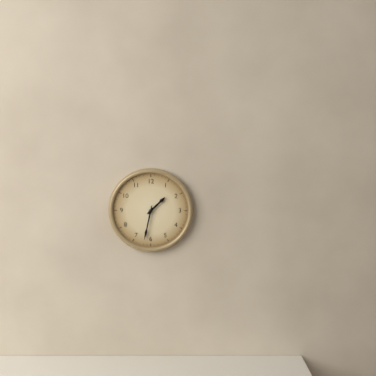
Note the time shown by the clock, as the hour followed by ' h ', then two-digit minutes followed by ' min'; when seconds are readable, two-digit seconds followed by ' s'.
1 h 32 min
